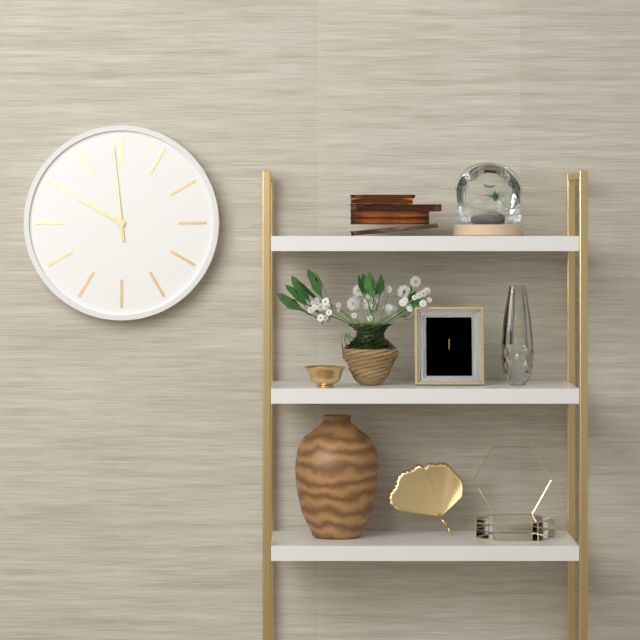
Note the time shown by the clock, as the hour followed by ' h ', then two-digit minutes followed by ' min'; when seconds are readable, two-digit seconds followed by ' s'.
9 h 59 min
